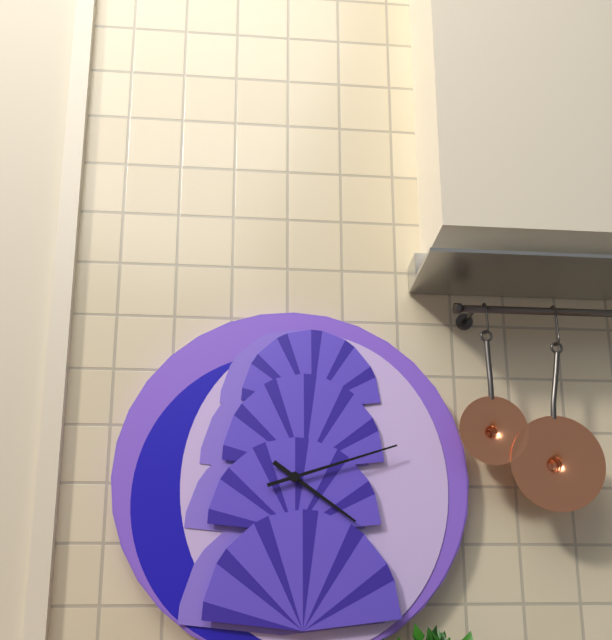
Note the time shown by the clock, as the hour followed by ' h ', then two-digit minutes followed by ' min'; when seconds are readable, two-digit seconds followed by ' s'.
4 h 12 min
